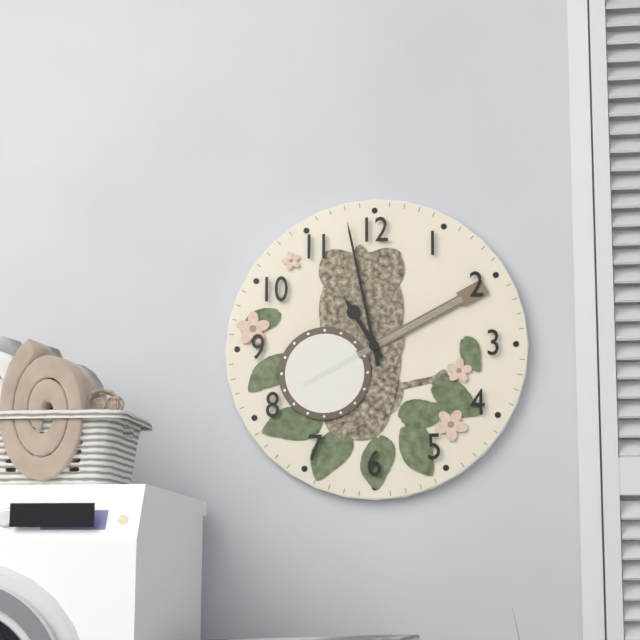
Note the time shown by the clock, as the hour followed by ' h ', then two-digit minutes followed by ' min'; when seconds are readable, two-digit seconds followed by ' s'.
10 h 58 min
